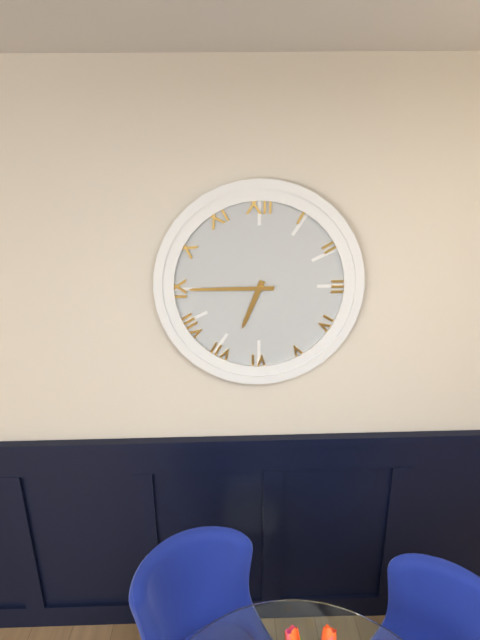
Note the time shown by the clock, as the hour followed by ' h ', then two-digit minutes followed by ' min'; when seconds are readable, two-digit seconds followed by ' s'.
6 h 45 min
